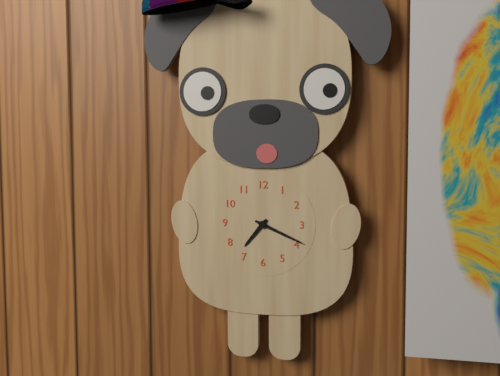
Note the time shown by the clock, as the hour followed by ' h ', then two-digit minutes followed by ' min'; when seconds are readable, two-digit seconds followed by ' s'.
7 h 19 min
